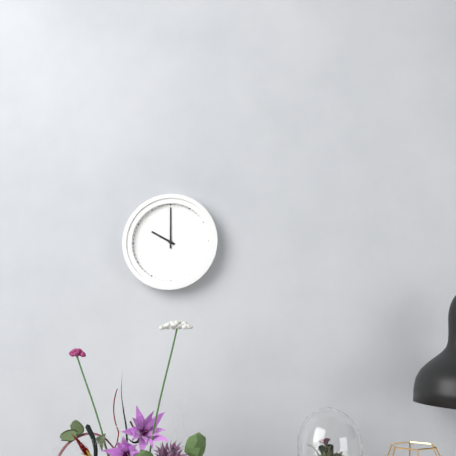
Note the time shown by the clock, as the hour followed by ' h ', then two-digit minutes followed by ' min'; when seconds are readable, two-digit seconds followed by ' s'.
10 h 00 min
